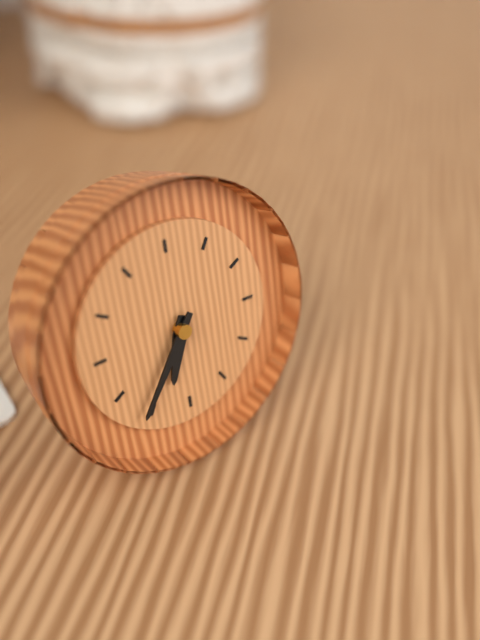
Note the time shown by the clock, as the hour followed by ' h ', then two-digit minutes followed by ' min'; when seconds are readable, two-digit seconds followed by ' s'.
6 h 36 min
